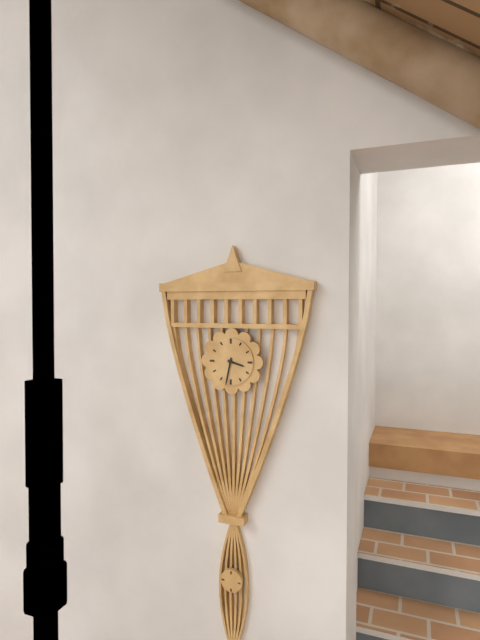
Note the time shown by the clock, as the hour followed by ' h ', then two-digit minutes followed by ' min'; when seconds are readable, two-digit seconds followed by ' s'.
3 h 32 min
